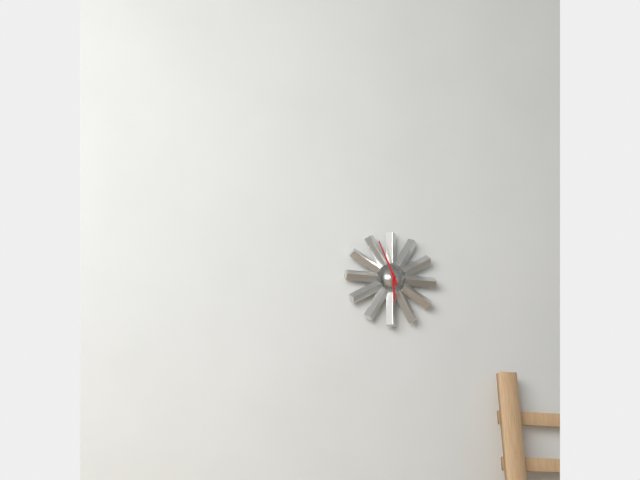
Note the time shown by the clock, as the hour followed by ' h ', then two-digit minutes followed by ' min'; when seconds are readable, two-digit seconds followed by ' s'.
5 h 56 min
